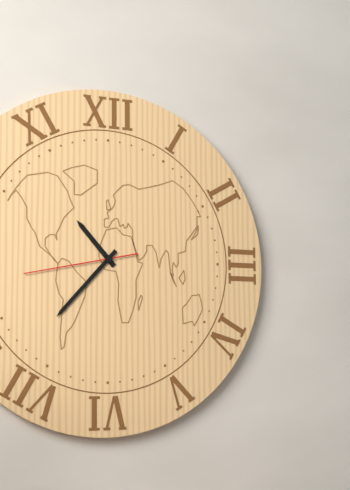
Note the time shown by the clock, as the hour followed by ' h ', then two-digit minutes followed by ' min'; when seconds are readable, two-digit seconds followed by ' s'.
10 h 37 min 43 s
